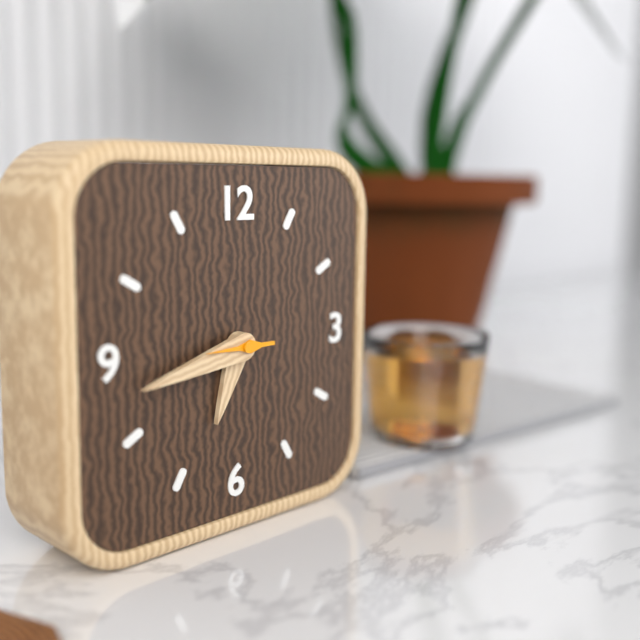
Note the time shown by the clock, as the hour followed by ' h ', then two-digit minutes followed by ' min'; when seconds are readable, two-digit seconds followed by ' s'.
6 h 43 min 45 s
